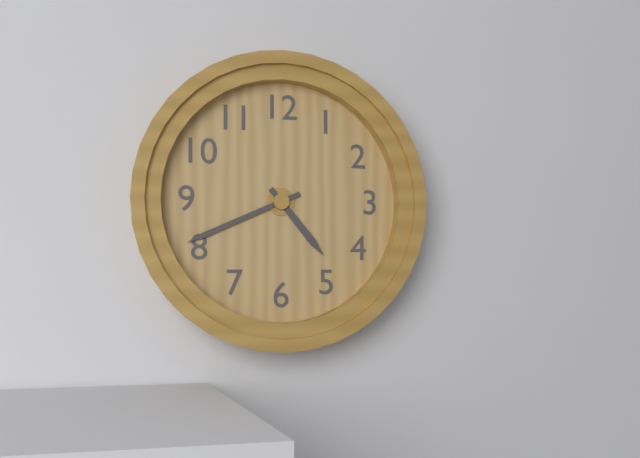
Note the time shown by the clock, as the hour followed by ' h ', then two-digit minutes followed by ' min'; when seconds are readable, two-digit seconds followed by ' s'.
4 h 41 min
